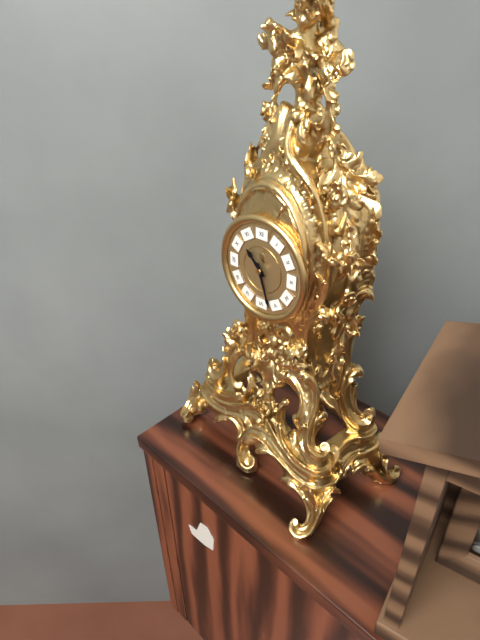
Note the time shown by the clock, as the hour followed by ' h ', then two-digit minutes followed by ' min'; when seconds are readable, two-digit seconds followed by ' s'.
10 h 27 min
